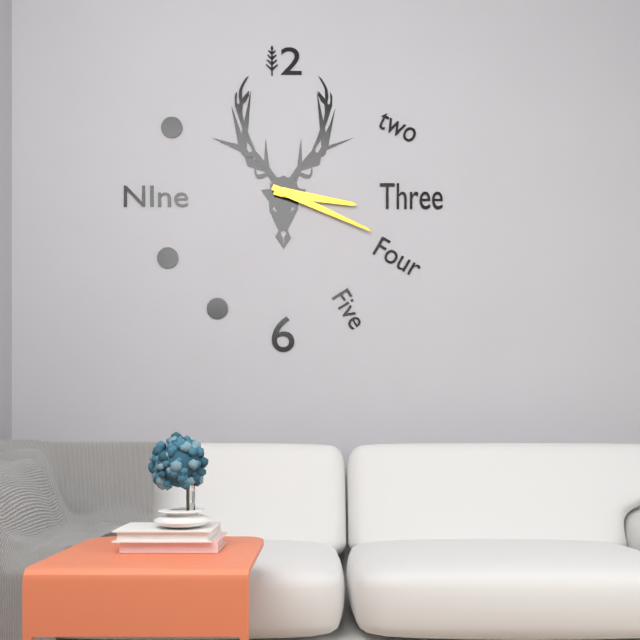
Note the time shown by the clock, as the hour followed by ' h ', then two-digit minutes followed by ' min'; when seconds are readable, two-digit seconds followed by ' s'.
3 h 19 min
